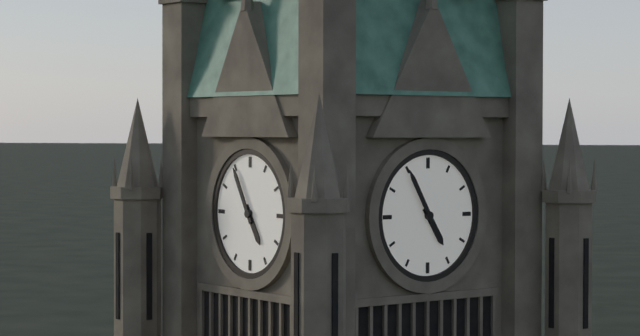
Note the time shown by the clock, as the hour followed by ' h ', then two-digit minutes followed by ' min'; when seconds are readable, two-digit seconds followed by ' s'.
4 h 55 min
